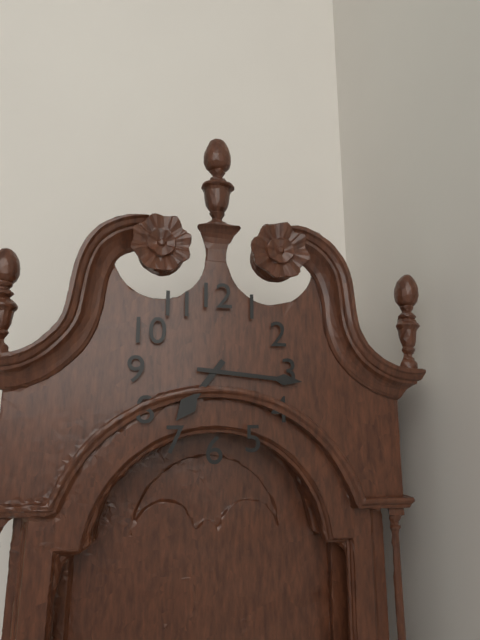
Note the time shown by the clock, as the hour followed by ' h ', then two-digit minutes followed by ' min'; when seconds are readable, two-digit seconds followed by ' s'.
7 h 16 min
